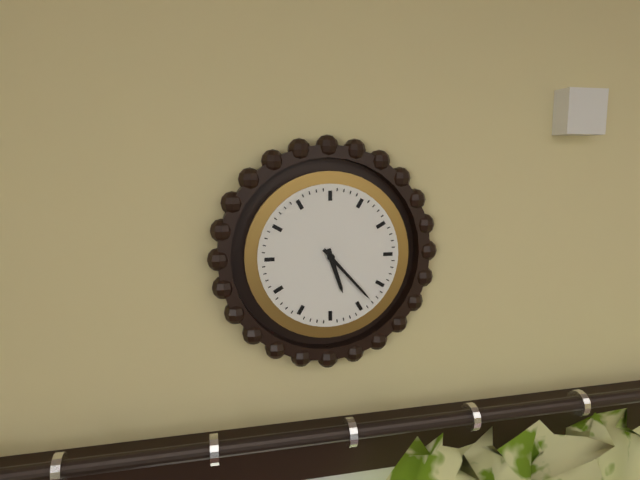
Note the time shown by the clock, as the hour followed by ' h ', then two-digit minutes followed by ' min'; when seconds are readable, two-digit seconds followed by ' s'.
5 h 23 min
